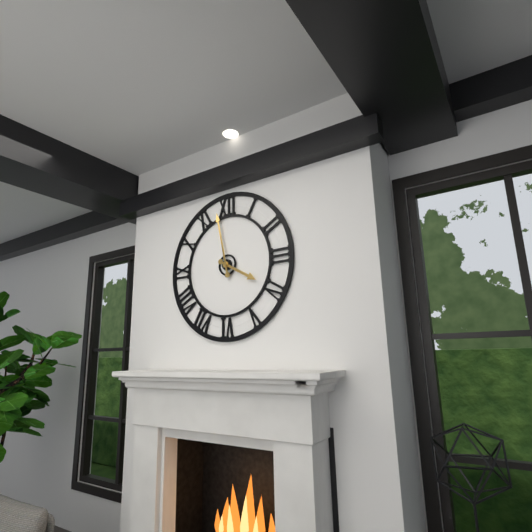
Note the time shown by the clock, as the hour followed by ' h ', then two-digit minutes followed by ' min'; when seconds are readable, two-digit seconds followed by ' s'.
3 h 58 min
